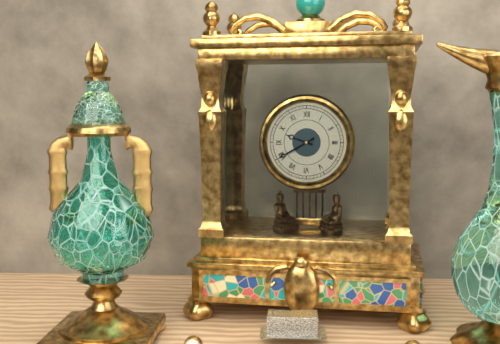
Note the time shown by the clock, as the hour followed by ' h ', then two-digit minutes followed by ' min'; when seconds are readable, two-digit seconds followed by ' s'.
9 h 40 min
